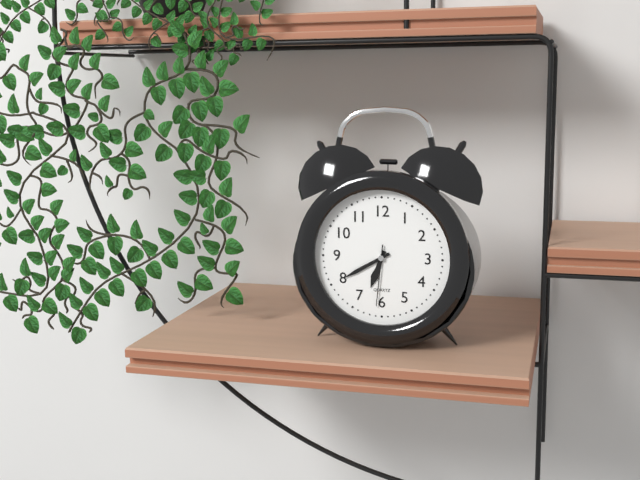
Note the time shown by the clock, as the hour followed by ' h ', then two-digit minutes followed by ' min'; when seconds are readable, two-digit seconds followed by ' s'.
6 h 40 min 31 s
